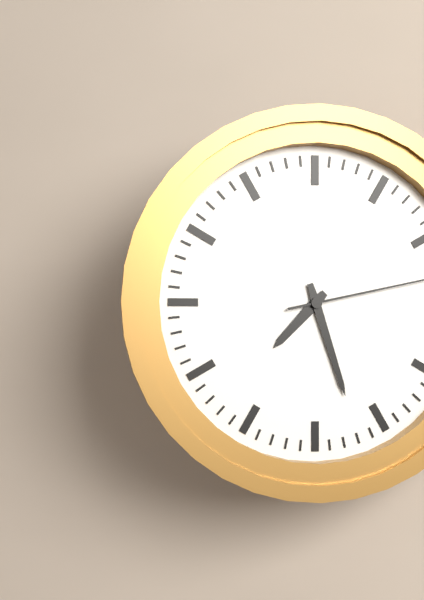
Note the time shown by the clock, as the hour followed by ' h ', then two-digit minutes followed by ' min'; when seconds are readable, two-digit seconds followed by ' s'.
7 h 27 min
